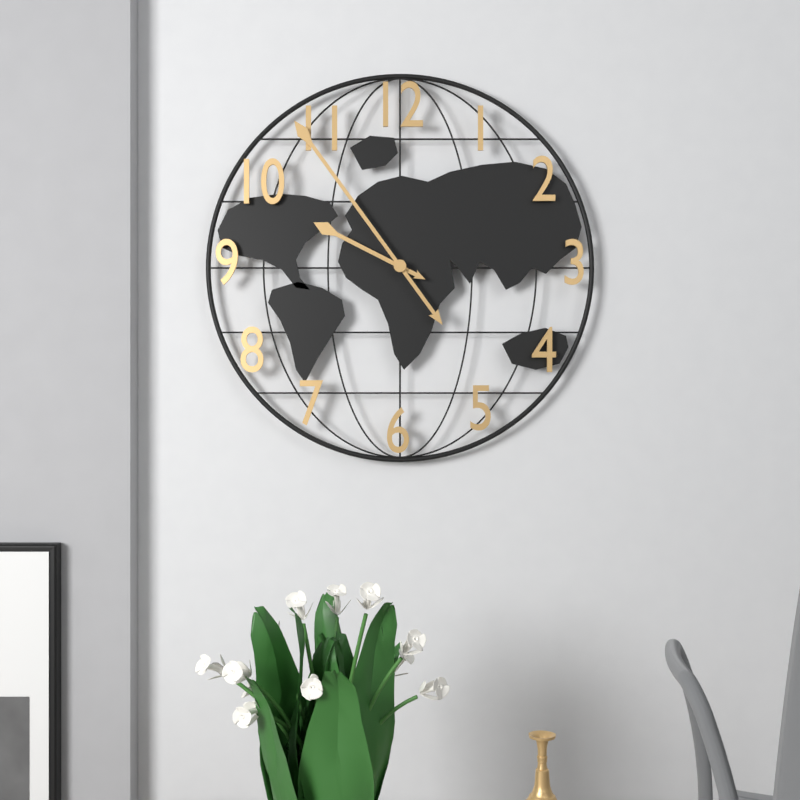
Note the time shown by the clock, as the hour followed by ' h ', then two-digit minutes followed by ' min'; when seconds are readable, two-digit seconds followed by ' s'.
9 h 54 min
